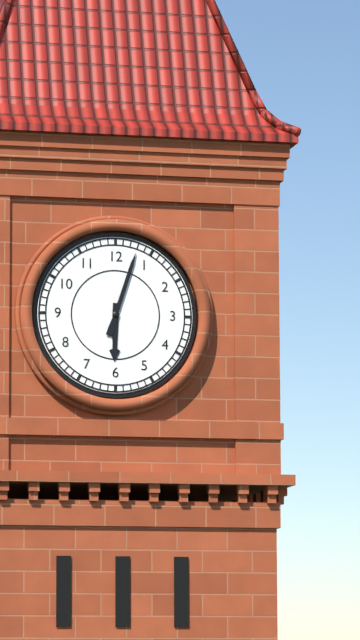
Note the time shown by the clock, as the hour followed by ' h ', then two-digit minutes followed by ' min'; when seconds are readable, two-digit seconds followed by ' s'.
6 h 03 min
